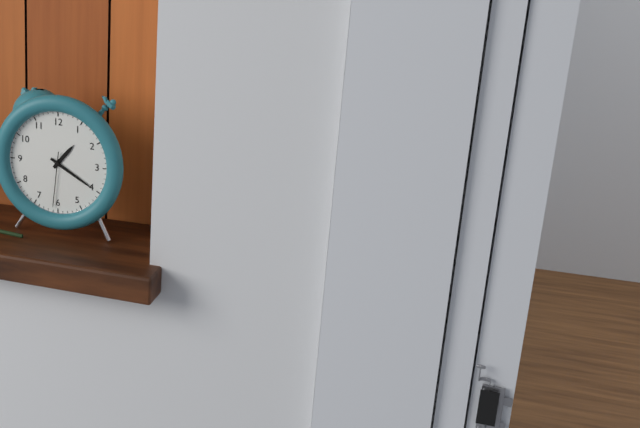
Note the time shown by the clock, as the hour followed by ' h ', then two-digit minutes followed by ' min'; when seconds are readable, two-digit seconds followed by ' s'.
1 h 20 min 31 s
